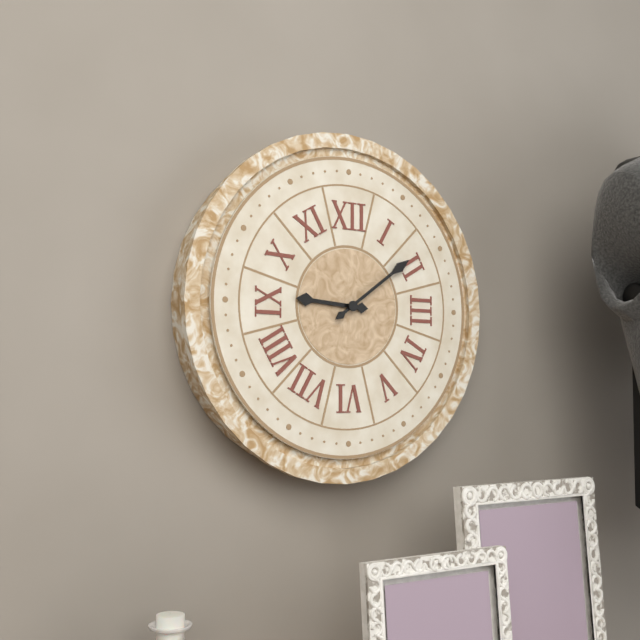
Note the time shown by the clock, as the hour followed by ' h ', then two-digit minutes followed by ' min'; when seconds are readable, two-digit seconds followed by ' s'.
9 h 09 min
